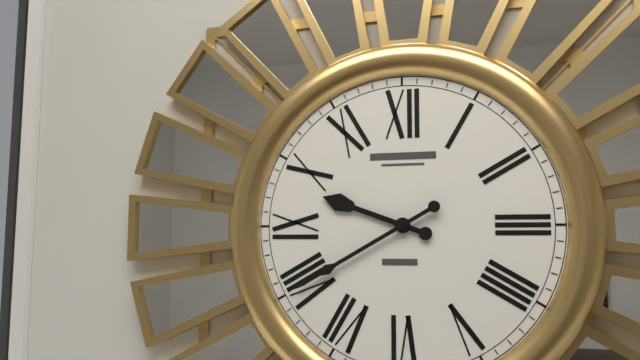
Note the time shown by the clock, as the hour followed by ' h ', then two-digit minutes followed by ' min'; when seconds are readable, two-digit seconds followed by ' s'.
9 h 40 min
